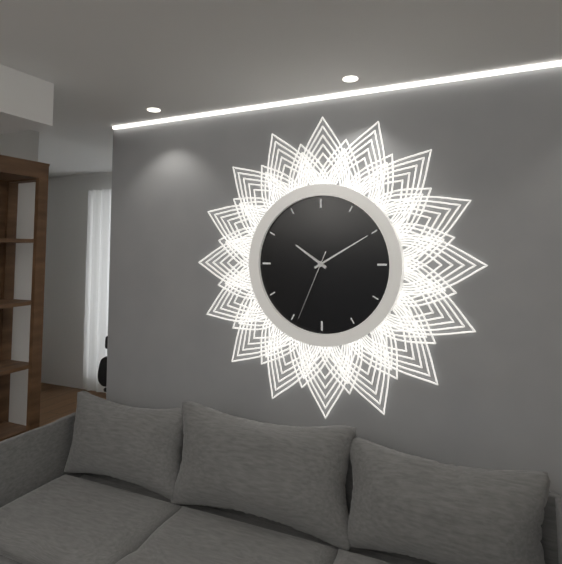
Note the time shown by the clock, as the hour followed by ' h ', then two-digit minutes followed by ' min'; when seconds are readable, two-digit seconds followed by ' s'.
10 h 10 min 34 s
